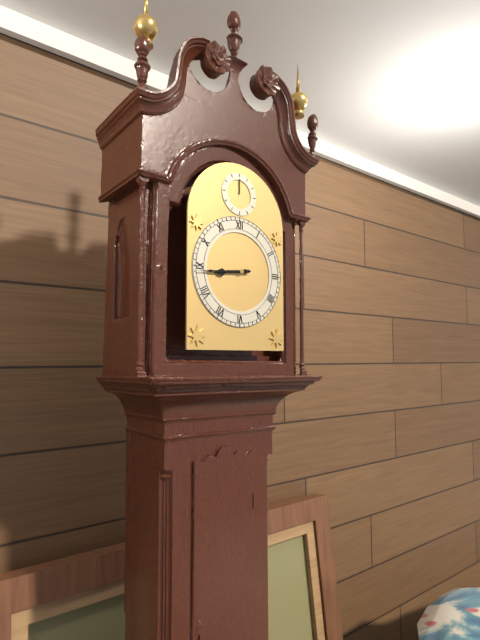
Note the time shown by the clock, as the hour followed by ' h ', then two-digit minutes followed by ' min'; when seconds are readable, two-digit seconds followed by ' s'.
8 h 44 min
